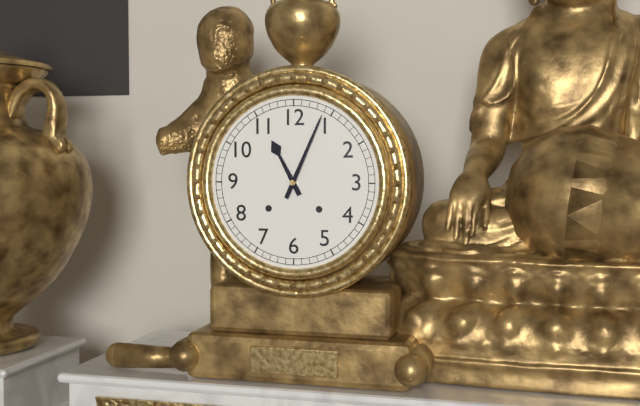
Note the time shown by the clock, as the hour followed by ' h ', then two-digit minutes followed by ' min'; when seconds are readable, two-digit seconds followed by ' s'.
11 h 04 min
